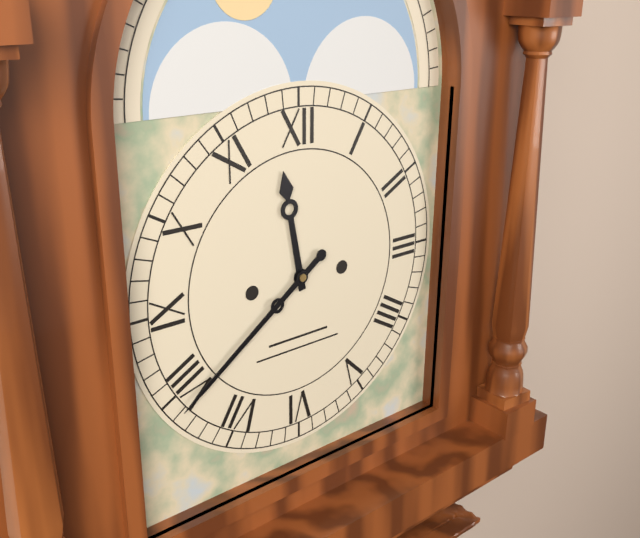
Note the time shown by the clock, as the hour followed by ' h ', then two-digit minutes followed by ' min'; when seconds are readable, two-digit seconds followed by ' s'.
11 h 39 min
